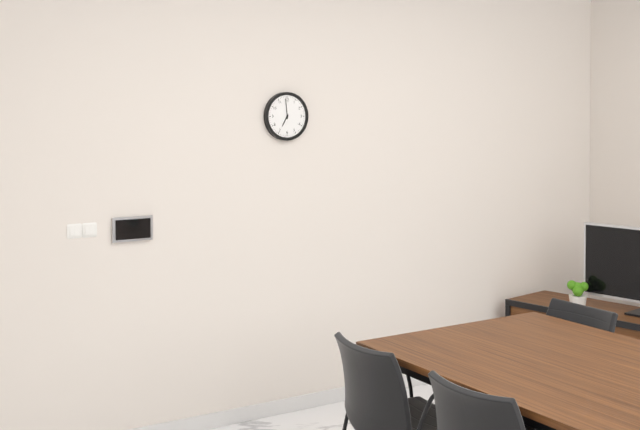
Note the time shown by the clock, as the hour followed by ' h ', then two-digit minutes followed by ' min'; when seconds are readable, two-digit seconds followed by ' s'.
6 h 59 min
